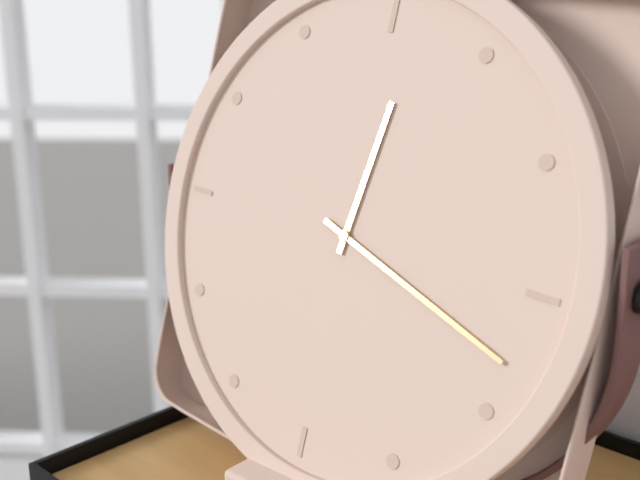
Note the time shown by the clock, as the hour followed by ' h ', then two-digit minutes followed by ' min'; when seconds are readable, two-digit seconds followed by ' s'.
12 h 18 min
